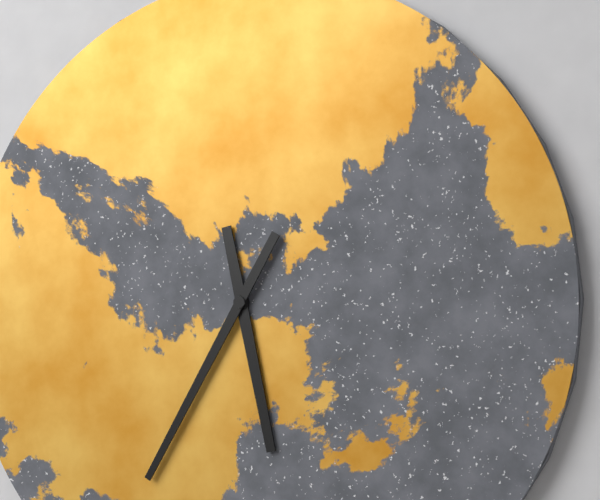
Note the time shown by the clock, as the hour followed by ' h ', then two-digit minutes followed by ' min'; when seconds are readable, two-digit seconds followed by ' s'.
5 h 35 min
